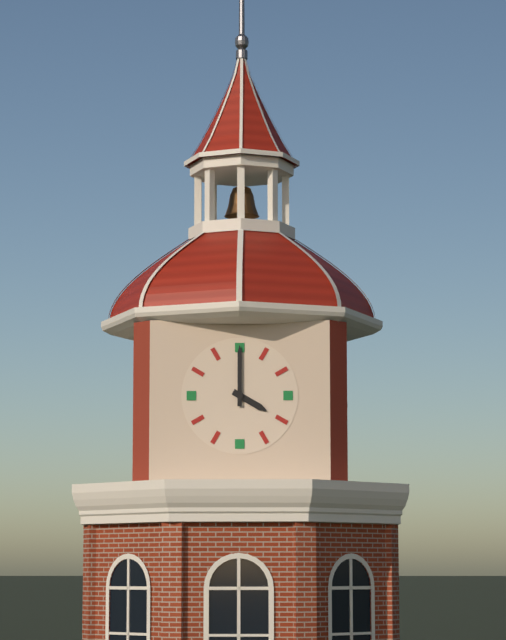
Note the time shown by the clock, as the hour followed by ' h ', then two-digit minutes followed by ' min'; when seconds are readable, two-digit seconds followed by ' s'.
4 h 00 min
